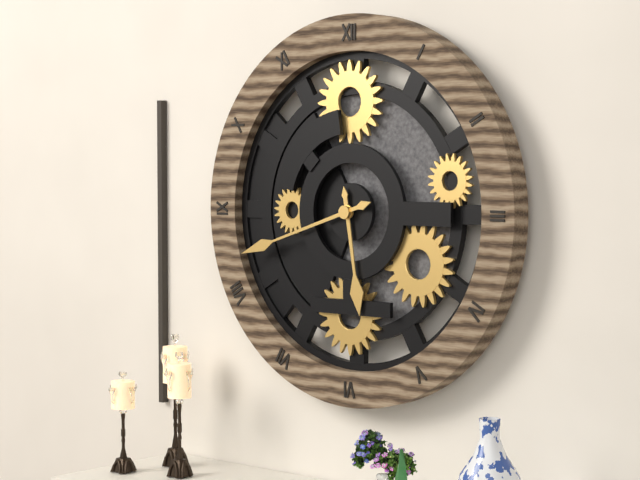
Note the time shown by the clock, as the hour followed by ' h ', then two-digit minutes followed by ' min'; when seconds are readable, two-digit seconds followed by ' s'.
5 h 42 min
